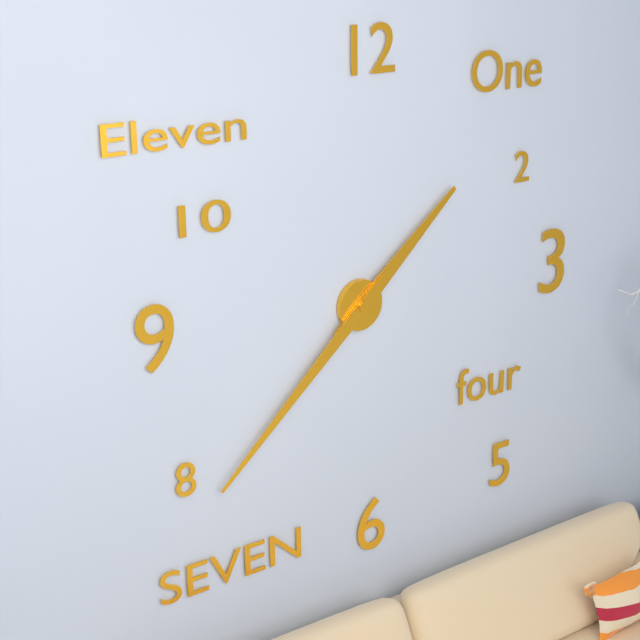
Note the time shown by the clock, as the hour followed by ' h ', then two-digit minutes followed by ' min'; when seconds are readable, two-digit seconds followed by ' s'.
1 h 38 min
